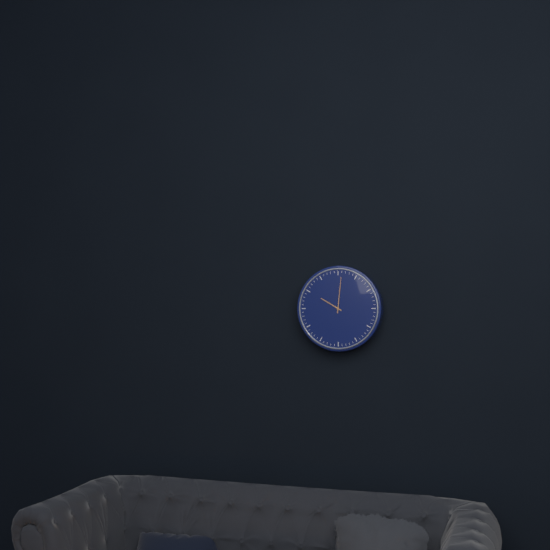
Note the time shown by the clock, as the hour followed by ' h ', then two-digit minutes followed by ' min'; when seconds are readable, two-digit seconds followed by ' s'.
10 h 01 min
